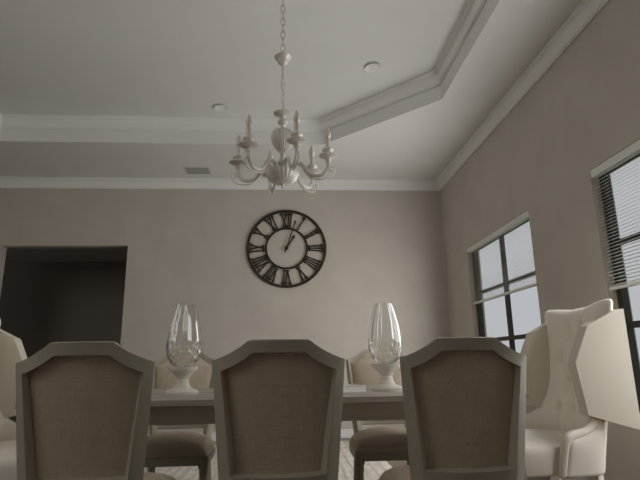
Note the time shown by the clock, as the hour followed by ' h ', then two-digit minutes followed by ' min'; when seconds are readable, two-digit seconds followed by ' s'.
1 h 03 min
